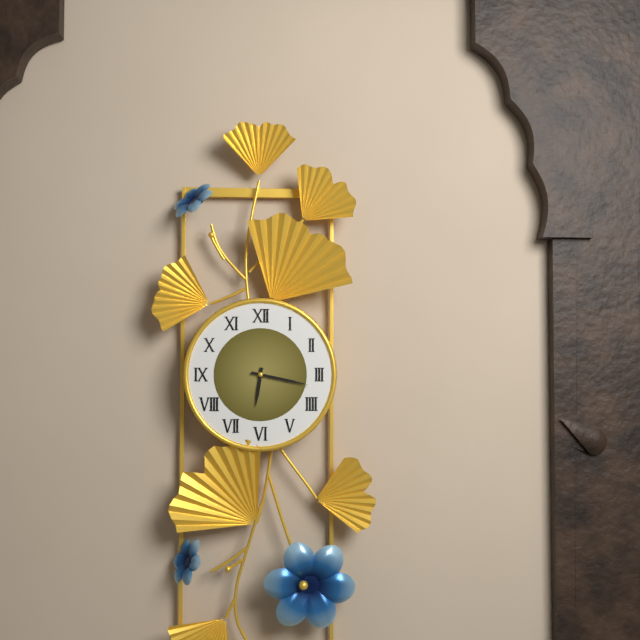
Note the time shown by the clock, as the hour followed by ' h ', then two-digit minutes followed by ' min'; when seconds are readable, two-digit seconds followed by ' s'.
6 h 17 min
